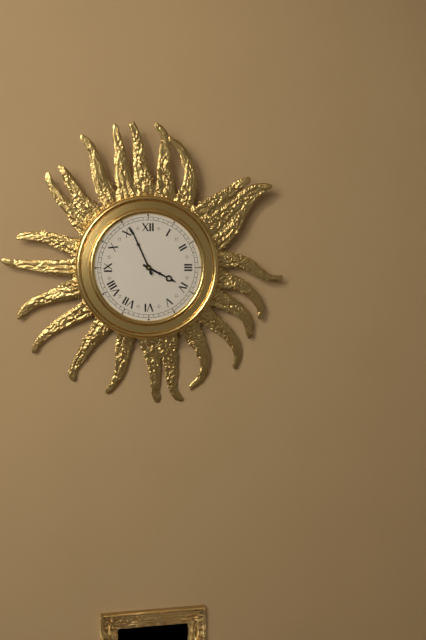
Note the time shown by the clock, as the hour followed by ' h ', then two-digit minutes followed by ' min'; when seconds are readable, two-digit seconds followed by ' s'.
3 h 56 min
